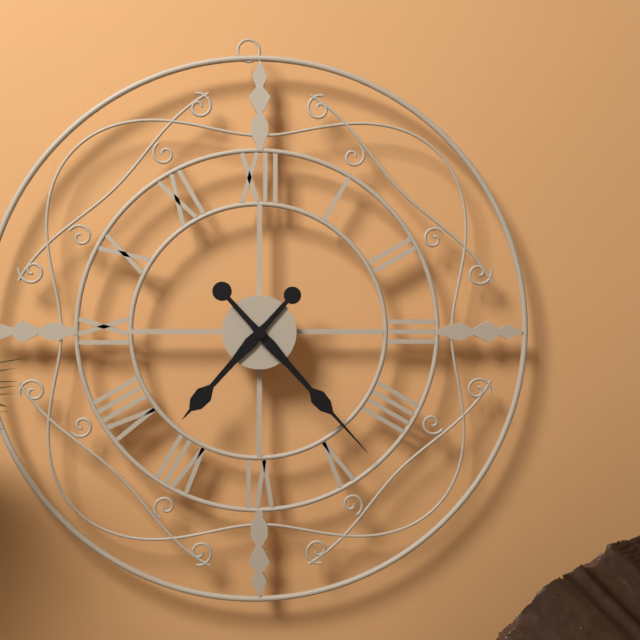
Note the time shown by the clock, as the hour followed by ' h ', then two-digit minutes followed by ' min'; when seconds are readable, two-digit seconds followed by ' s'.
7 h 23 min
